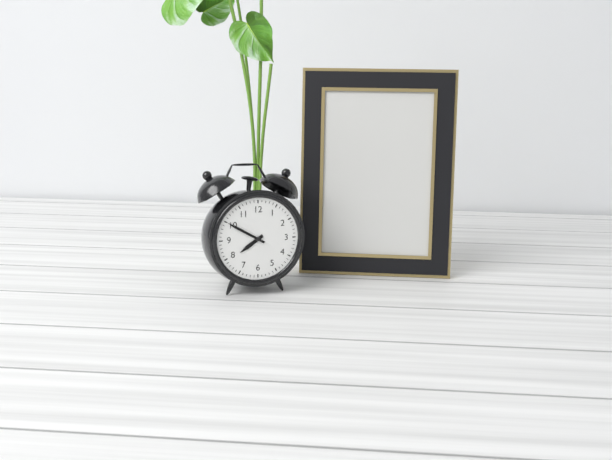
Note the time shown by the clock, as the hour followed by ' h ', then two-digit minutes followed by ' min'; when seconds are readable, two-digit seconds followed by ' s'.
7 h 50 min
